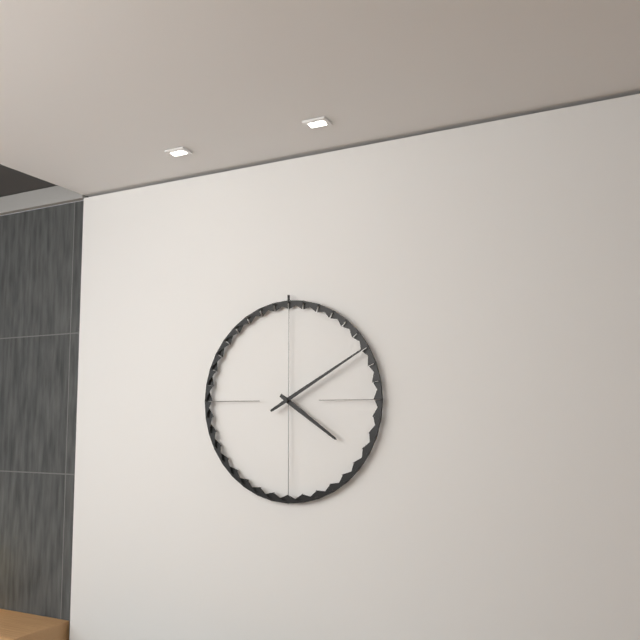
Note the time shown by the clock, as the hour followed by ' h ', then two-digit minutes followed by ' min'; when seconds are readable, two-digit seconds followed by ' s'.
4 h 10 min
